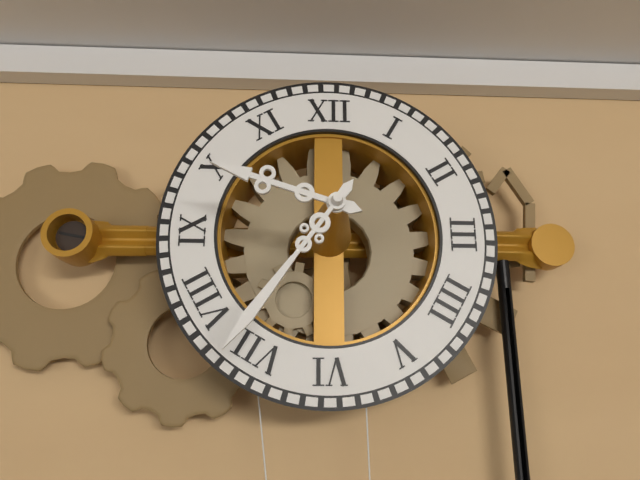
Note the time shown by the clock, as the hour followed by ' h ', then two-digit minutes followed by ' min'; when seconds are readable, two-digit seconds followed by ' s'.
9 h 36 min
